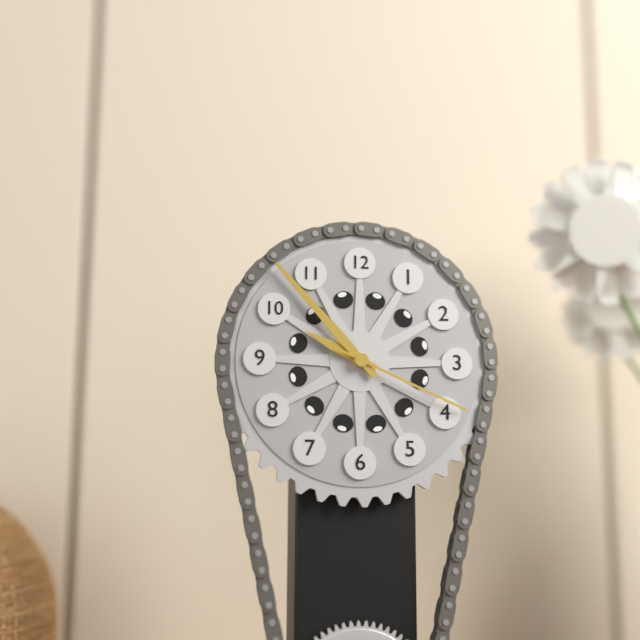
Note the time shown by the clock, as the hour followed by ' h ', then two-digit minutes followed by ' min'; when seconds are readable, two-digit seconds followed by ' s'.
9 h 53 min 19 s
